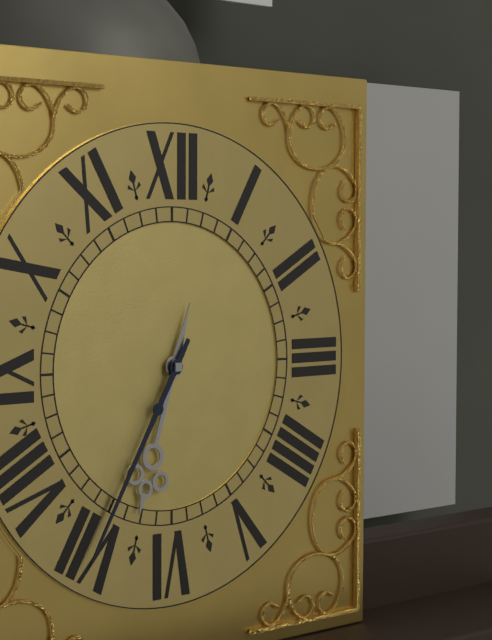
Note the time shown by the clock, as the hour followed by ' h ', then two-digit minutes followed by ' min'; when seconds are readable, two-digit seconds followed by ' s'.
6 h 35 min
